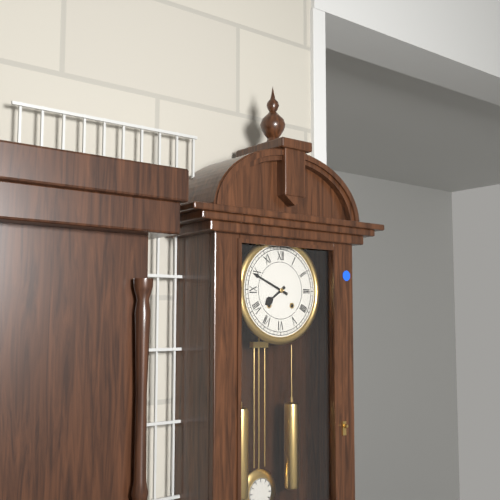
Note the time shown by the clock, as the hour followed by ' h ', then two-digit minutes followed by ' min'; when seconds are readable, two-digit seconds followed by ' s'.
7 h 49 min
